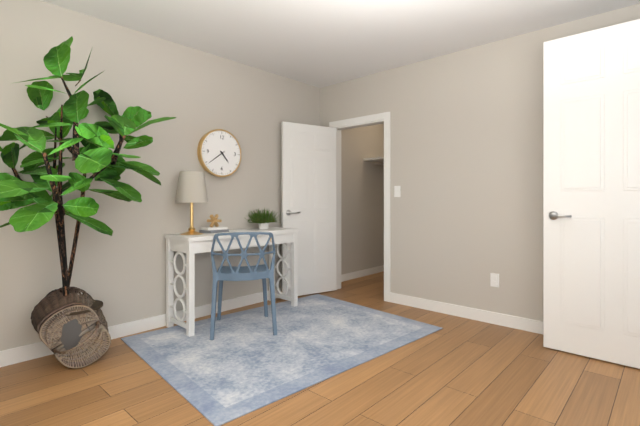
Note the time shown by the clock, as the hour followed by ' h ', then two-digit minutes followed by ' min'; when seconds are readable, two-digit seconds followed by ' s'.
4 h 39 min
